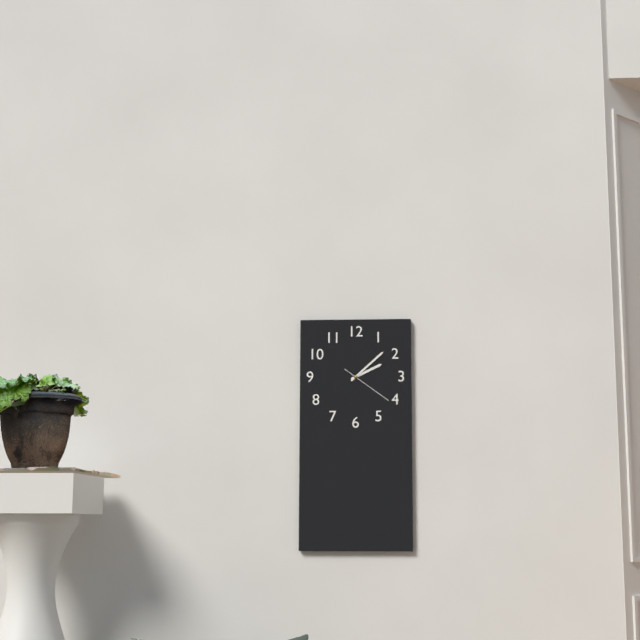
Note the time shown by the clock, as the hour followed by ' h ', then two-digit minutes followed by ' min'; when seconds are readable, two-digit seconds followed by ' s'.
2 h 08 min 21 s
